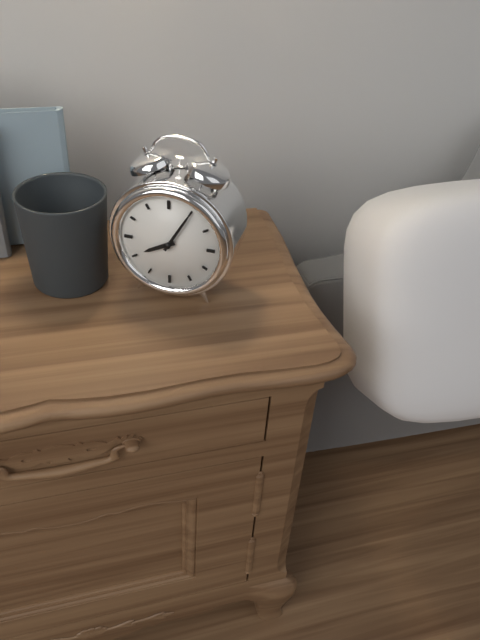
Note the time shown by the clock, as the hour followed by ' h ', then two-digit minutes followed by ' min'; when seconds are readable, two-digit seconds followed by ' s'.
8 h 05 min
